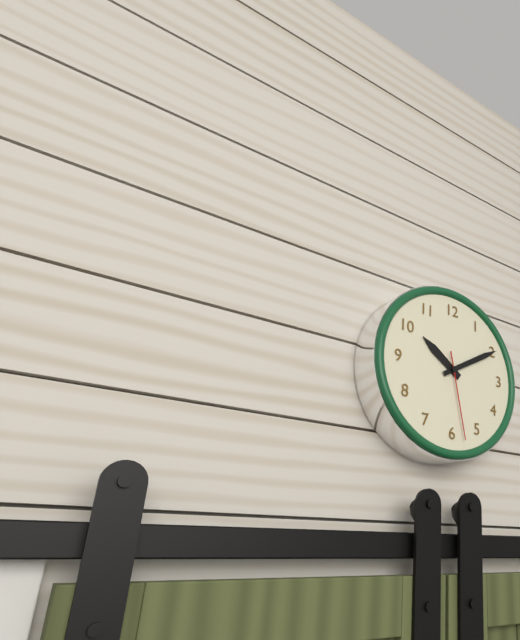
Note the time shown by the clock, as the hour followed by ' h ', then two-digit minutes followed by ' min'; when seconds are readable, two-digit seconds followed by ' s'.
10 h 10 min 28 s
